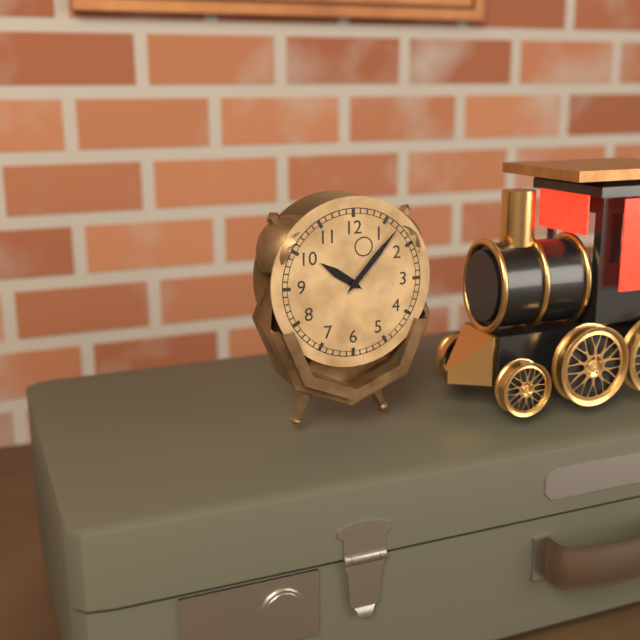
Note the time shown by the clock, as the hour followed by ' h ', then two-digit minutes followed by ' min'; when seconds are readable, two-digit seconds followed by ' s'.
10 h 07 min
